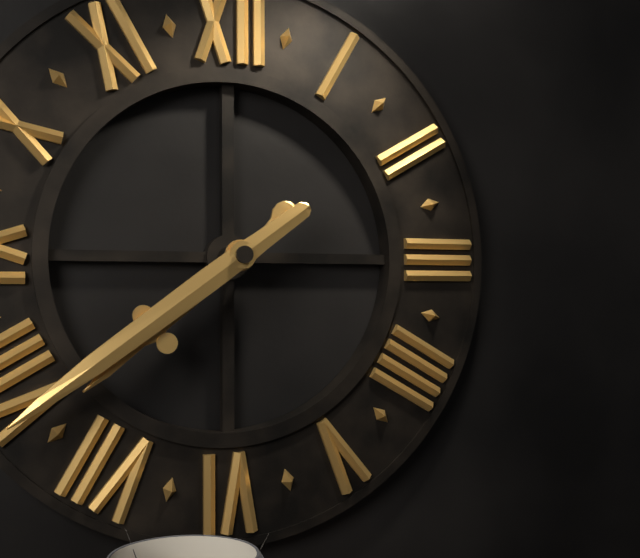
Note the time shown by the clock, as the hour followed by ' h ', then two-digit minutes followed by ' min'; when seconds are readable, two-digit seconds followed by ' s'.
7 h 39 min
